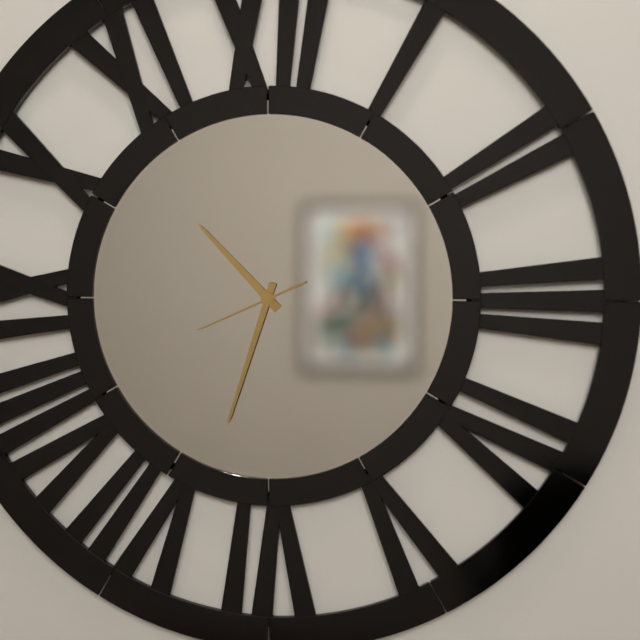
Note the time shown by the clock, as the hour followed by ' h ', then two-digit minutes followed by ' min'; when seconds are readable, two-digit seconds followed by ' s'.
10 h 33 min 41 s
